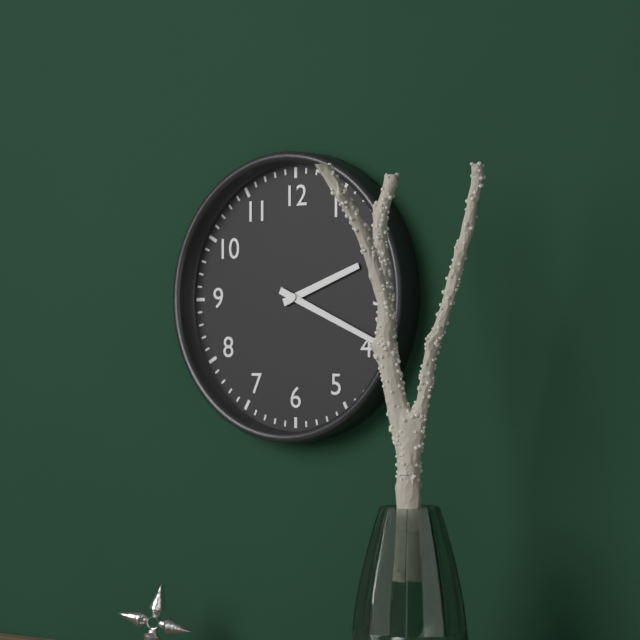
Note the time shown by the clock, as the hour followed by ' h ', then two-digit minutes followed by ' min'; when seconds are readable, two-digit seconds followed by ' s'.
2 h 19 min
